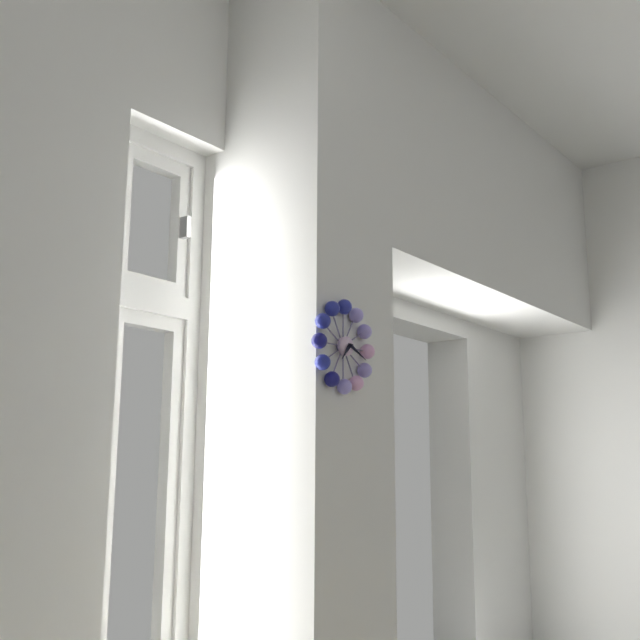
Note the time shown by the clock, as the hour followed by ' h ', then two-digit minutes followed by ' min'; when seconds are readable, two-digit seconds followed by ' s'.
7 h 19 min
